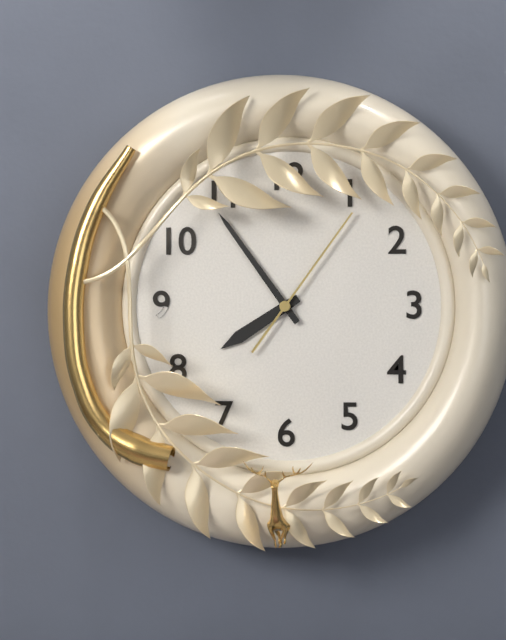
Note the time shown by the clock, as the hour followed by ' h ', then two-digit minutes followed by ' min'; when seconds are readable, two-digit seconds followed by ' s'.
7 h 54 min 06 s
